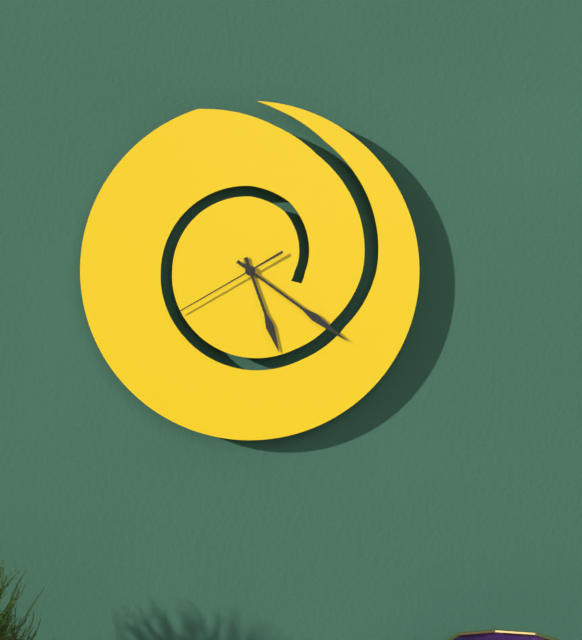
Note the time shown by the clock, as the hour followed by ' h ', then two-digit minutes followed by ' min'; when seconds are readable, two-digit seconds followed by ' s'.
5 h 21 min 40 s
